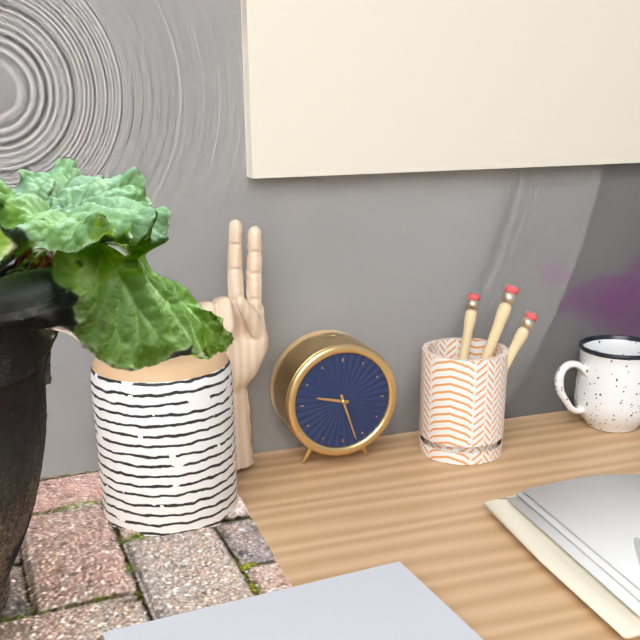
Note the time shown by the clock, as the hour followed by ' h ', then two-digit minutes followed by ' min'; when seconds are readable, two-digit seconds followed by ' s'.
9 h 27 min
